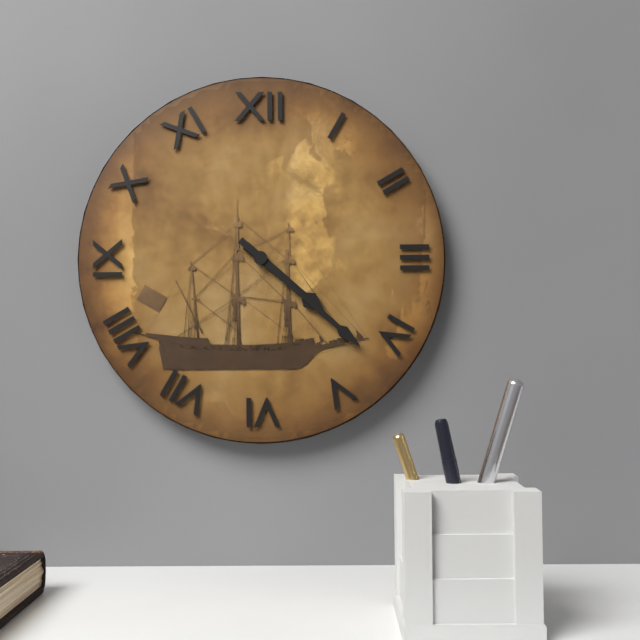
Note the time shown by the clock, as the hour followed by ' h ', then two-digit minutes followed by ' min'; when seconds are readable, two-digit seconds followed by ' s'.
4 h 22 min
